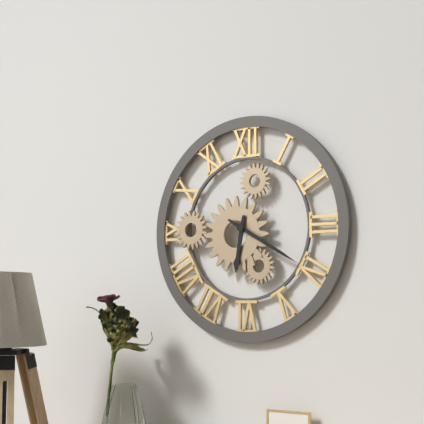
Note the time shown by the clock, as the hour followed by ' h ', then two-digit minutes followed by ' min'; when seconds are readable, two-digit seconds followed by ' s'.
6 h 20 min
